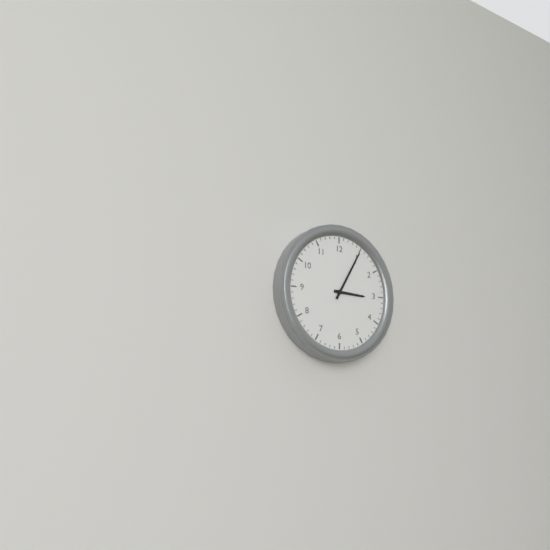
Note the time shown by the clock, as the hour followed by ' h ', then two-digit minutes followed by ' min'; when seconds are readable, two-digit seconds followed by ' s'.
3 h 05 min
